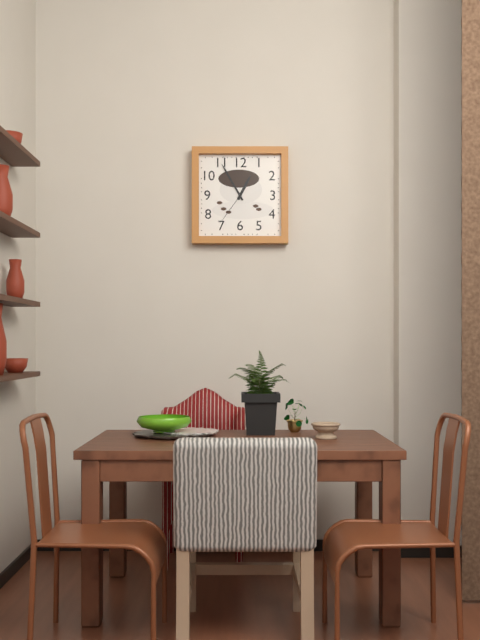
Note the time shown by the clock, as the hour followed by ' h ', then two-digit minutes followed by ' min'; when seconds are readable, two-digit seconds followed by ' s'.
12 h 55 min
